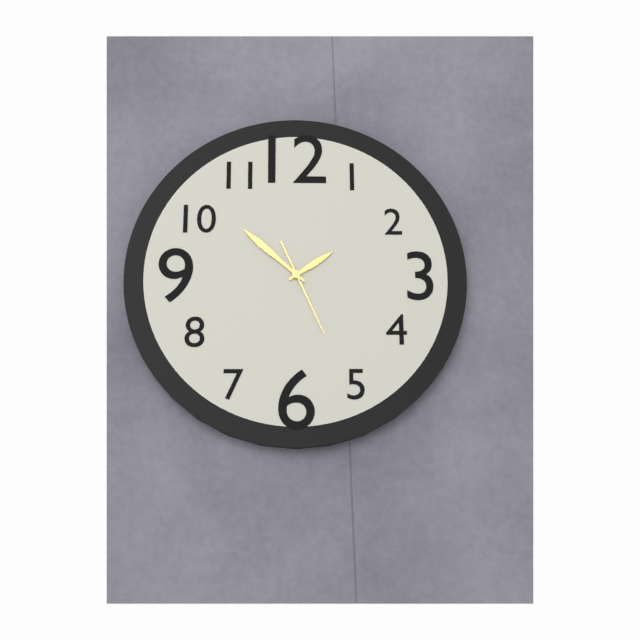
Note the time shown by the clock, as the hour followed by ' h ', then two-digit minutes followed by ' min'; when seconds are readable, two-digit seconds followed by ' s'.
1 h 52 min 26 s
